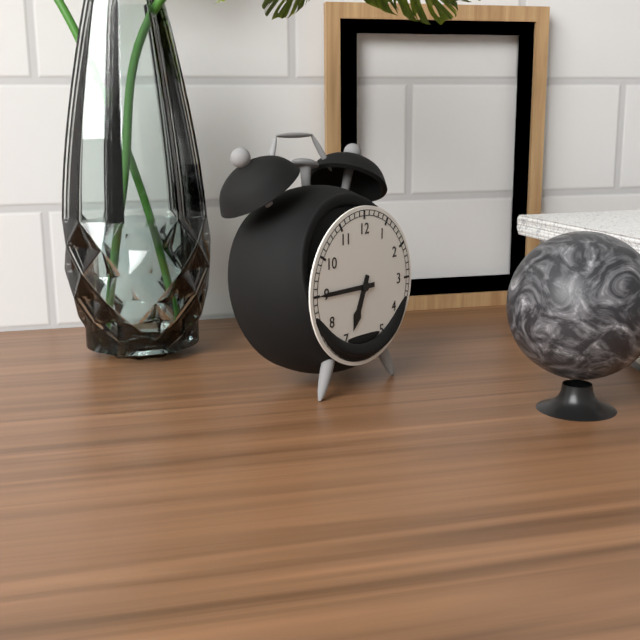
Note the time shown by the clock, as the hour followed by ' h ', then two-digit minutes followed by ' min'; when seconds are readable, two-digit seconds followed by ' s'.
6 h 45 min
